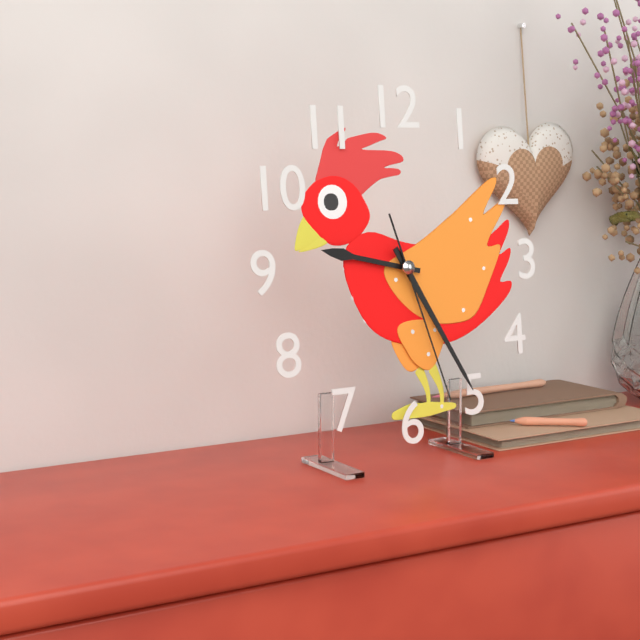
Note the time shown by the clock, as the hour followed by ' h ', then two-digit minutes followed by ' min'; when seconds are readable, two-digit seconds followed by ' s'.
9 h 25 min 27 s
